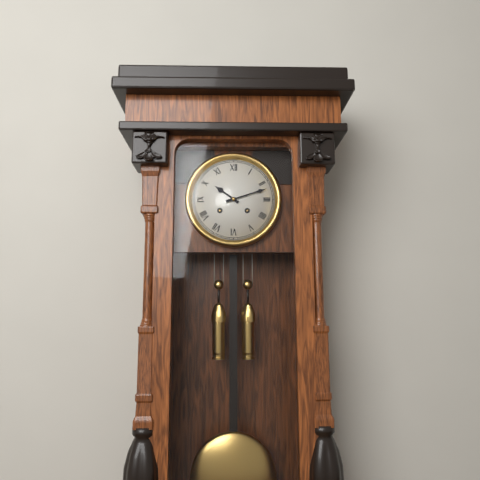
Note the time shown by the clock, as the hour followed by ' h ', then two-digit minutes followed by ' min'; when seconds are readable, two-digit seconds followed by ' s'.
10 h 12 min
